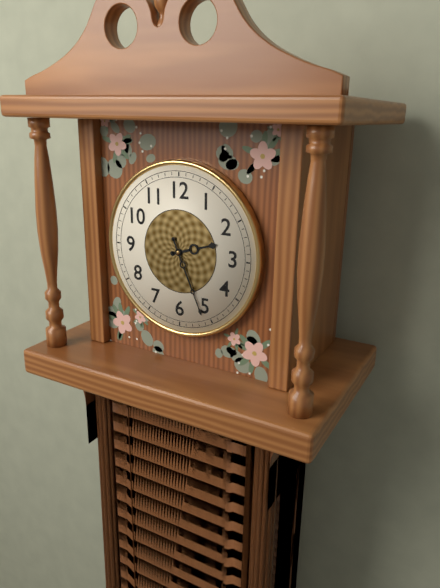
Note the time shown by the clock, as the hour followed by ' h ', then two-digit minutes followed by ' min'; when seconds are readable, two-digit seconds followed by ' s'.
2 h 26 min
